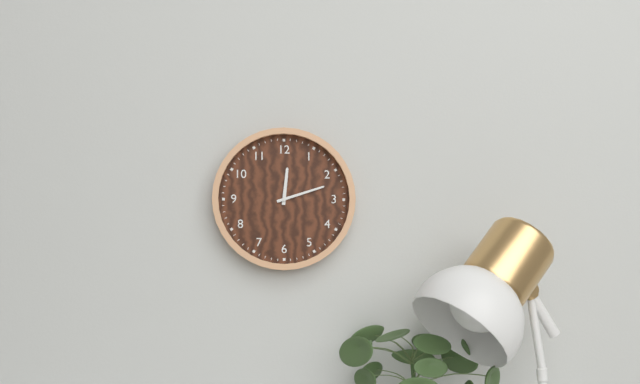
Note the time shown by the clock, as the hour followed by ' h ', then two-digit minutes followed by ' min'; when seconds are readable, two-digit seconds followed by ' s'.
12 h 12 min
